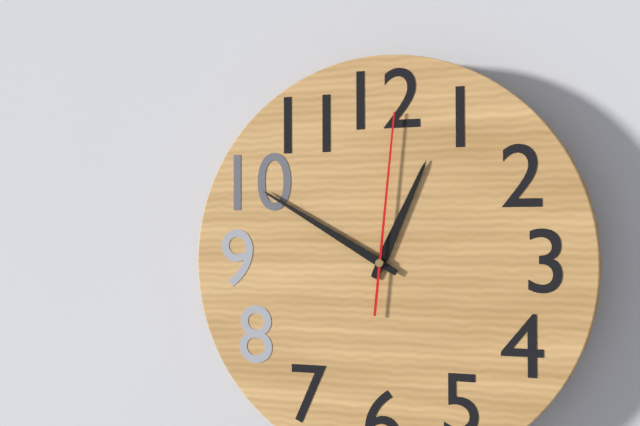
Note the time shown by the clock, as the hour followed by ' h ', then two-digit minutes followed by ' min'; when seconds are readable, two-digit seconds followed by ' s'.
12 h 50 min 01 s
